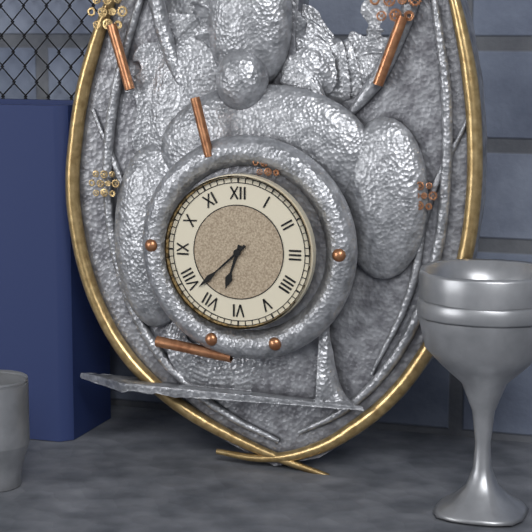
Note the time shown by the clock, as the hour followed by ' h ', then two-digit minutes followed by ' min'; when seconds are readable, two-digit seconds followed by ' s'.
6 h 38 min
